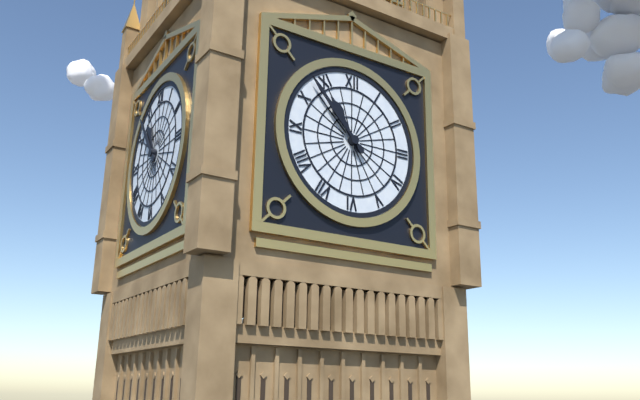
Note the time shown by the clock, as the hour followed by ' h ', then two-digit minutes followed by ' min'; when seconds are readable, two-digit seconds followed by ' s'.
10 h 53 min
